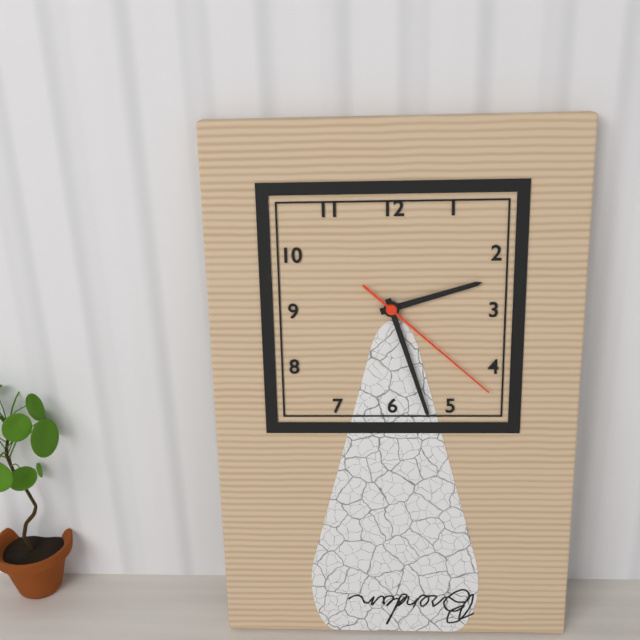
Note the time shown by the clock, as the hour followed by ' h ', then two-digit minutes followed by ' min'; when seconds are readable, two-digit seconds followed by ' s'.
2 h 27 min 22 s
